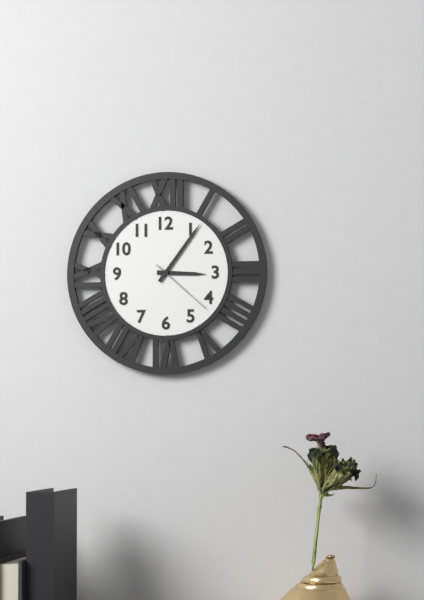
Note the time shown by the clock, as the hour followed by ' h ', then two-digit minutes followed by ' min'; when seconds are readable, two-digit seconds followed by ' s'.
3 h 06 min 22 s
